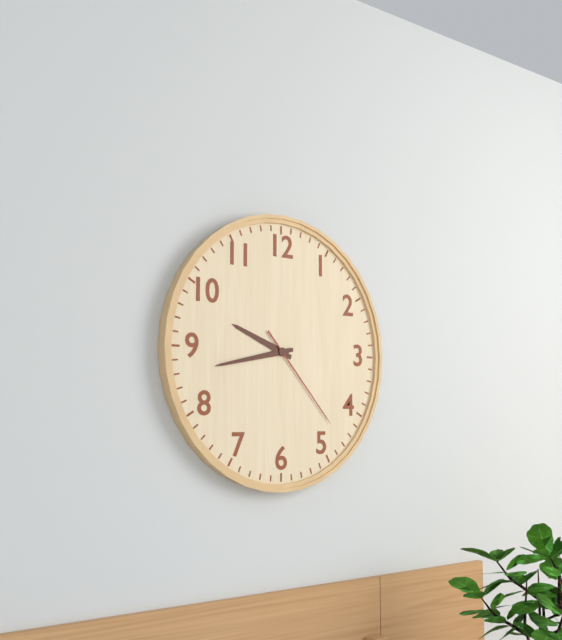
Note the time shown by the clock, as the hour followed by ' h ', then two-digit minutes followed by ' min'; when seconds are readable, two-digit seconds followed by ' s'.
9 h 43 min 23 s
